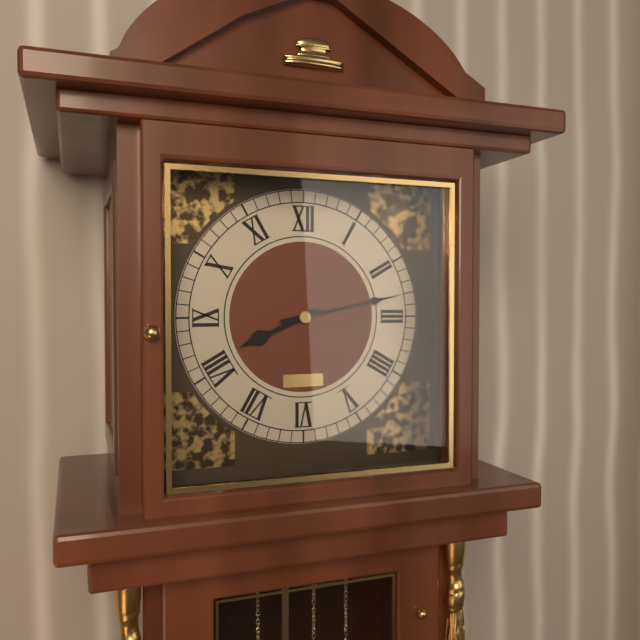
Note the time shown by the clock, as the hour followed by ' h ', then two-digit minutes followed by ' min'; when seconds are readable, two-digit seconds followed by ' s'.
8 h 13 min
